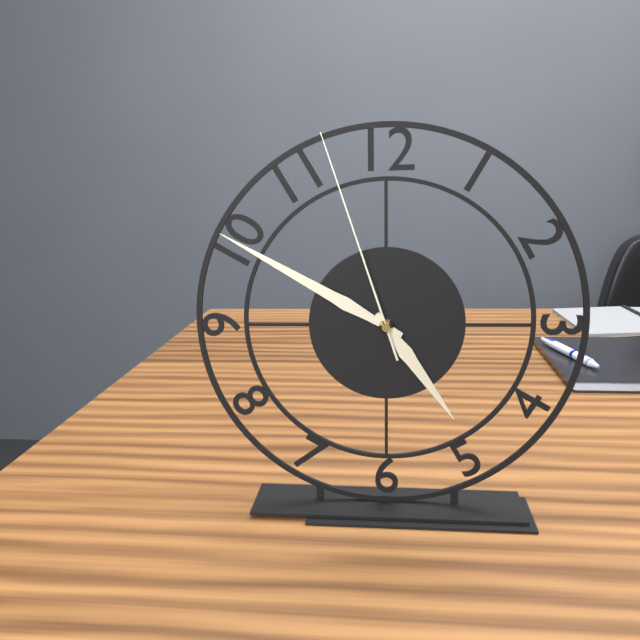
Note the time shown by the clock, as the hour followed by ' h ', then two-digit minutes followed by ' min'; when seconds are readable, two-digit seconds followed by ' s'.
4 h 50 min 57 s
